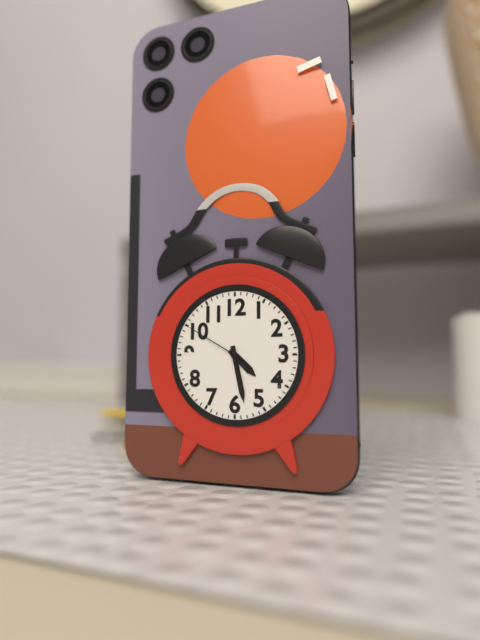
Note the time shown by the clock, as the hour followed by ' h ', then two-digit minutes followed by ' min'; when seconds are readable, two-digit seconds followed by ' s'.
4 h 28 min 50 s
